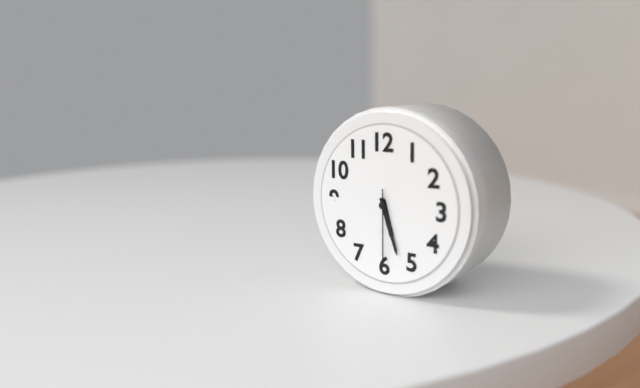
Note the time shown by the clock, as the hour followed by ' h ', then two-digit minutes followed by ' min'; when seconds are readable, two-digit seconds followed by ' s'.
5 h 27 min 30 s
